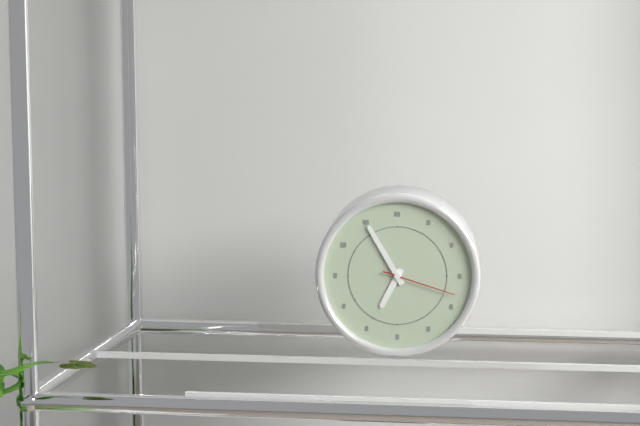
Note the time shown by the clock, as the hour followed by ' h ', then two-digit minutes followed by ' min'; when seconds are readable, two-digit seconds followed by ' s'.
6 h 55 min 18 s
